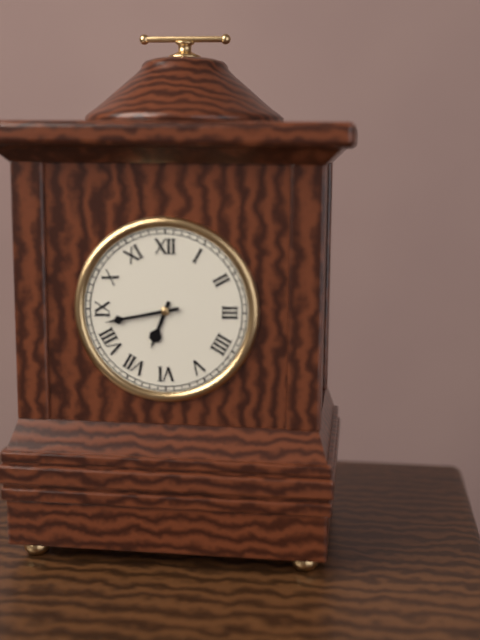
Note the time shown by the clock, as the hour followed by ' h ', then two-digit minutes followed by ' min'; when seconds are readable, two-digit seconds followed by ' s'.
6 h 43 min
